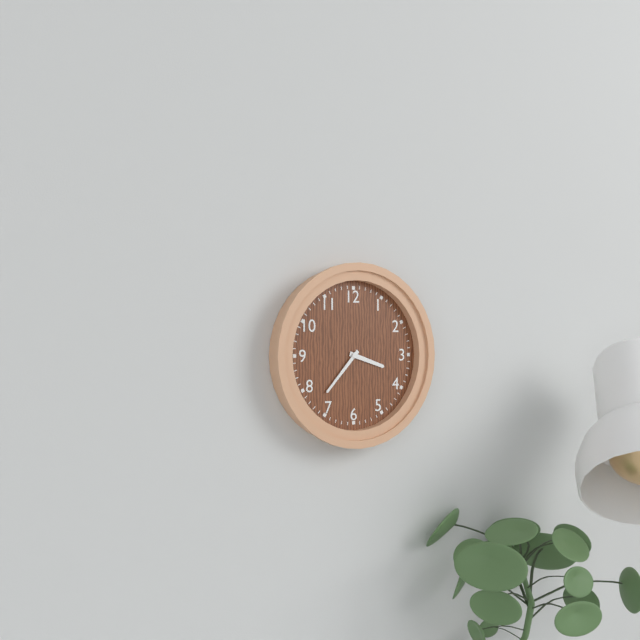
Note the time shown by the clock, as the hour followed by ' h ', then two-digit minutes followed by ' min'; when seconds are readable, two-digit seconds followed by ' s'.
3 h 37 min
